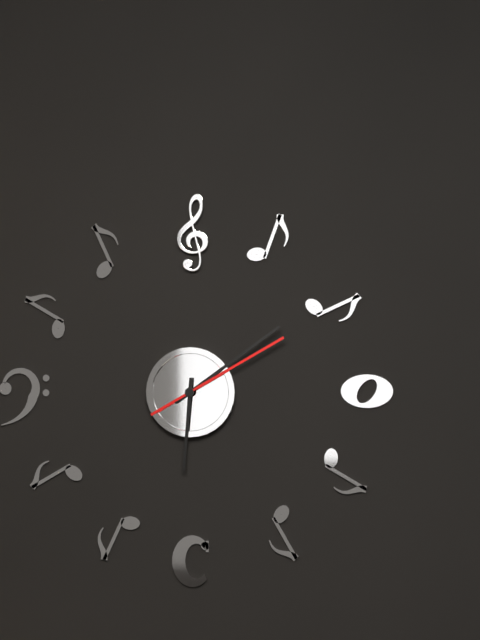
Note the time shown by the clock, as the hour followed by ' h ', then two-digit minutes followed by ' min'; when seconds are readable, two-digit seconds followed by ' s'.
6 h 09 min 10 s
